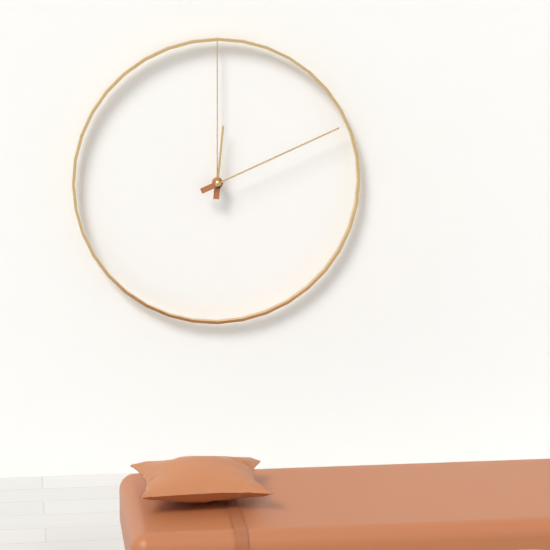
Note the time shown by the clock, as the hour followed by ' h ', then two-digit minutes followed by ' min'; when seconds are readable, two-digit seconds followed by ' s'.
12 h 11 min
